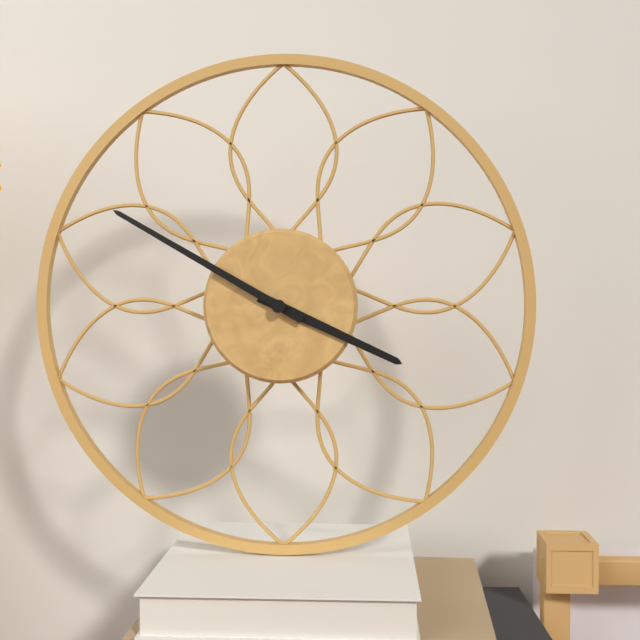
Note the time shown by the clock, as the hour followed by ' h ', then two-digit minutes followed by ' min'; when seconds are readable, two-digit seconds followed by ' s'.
3 h 50 min
